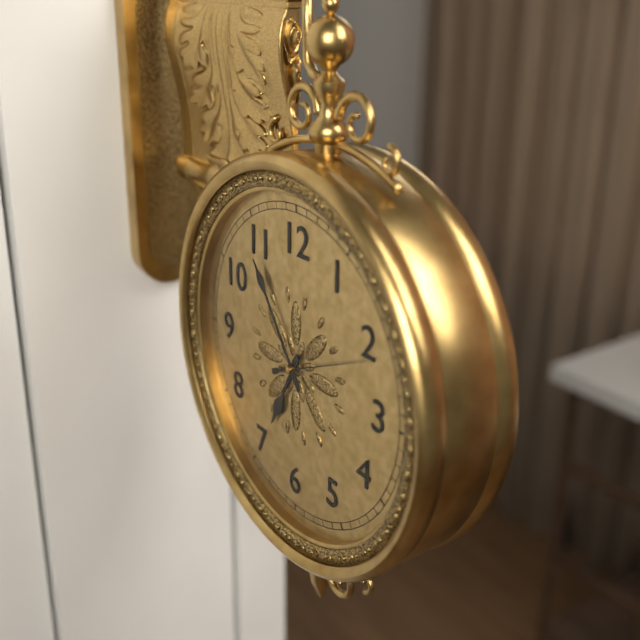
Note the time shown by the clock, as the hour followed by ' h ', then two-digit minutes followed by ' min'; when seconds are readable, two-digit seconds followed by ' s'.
6 h 54 min 11 s
